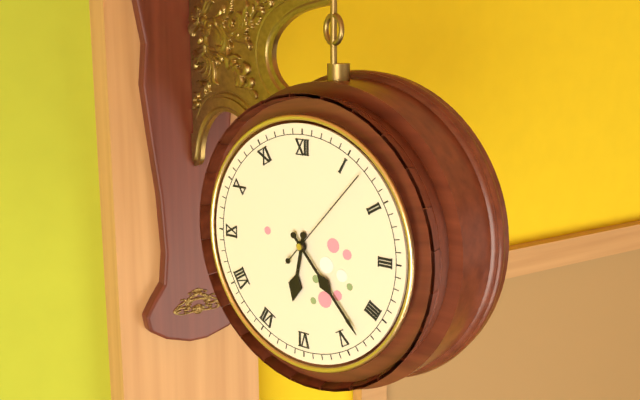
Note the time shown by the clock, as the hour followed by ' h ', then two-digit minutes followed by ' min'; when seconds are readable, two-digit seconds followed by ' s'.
6 h 23 min 07 s
